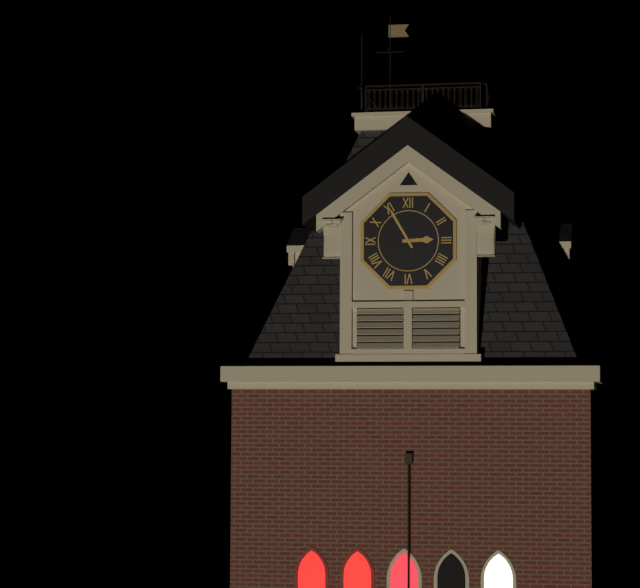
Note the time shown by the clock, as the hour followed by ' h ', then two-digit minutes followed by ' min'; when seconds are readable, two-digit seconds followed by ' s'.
2 h 55 min
